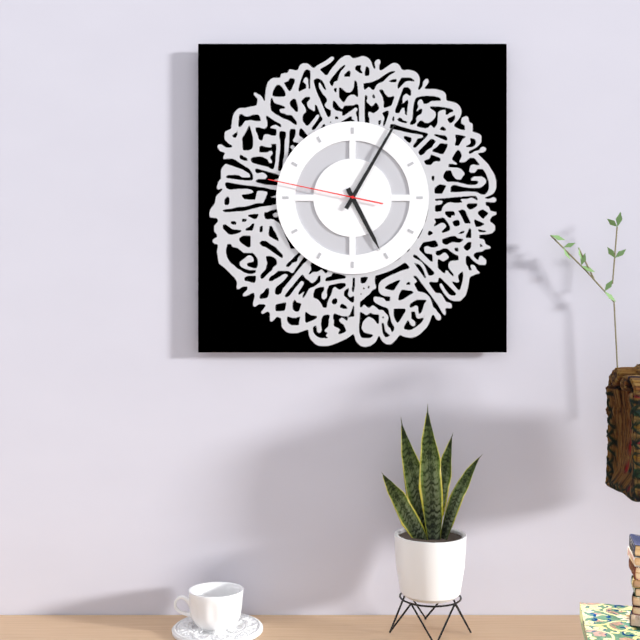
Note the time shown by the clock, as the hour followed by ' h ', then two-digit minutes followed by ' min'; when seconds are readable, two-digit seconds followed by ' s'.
5 h 05 min 47 s
